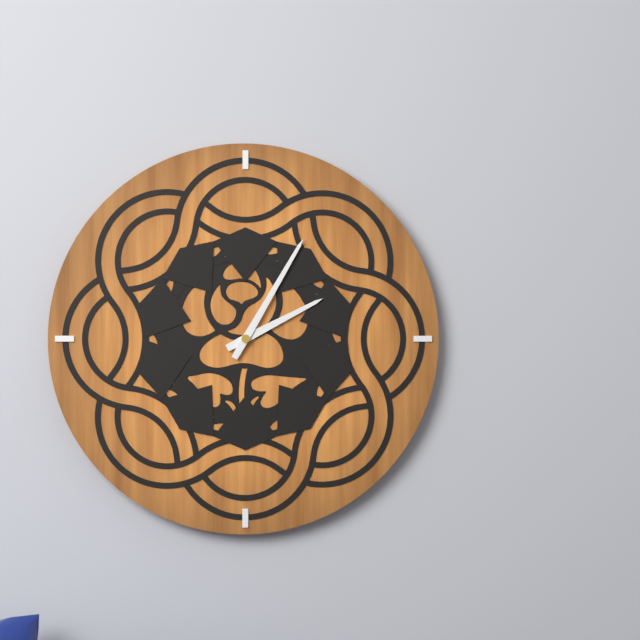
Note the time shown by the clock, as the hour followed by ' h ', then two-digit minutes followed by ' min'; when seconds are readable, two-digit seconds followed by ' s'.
2 h 05 min
